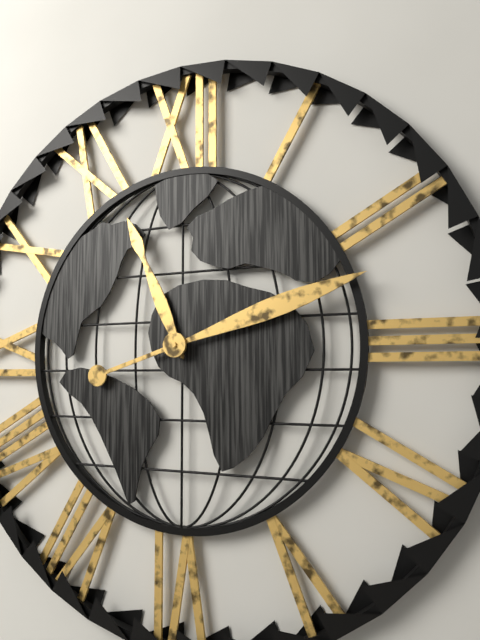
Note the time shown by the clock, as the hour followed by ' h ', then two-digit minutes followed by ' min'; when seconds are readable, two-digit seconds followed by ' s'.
11 h 12 min
